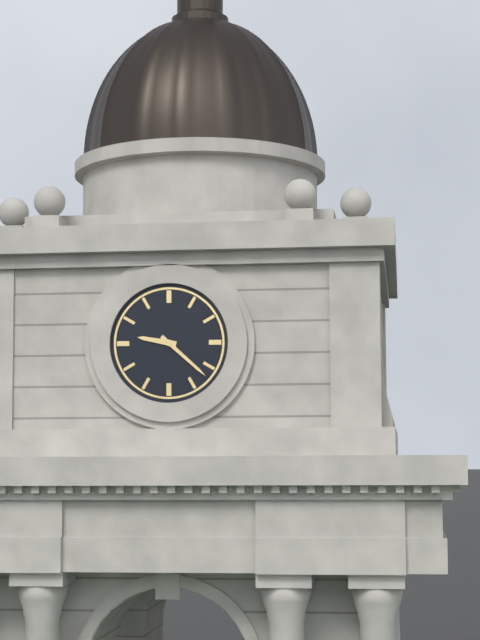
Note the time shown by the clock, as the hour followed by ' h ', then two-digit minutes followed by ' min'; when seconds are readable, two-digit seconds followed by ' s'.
9 h 22 min
